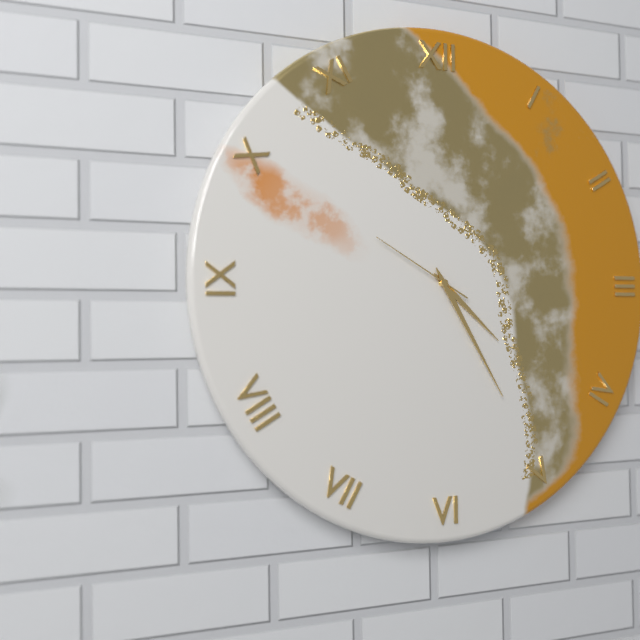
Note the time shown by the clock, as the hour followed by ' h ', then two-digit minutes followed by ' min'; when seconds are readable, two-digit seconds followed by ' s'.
4 h 25 min 50 s
